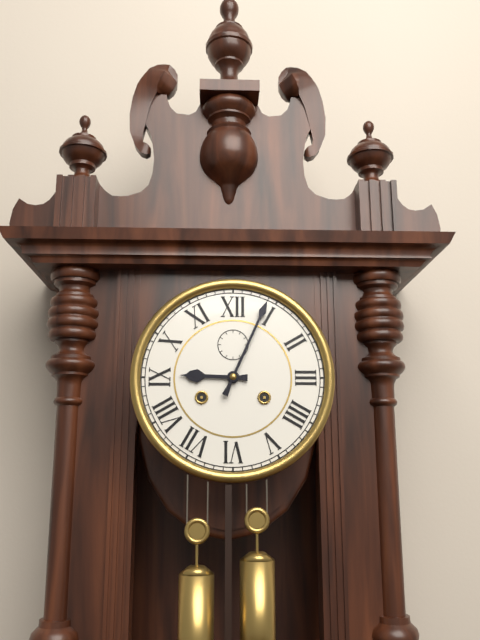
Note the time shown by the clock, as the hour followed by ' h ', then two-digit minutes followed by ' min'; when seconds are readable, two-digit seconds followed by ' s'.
9 h 04 min
